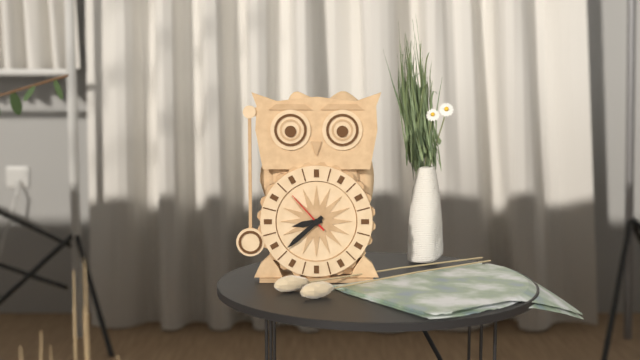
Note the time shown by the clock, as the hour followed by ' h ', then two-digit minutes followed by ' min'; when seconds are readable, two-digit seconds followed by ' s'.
8 h 38 min
